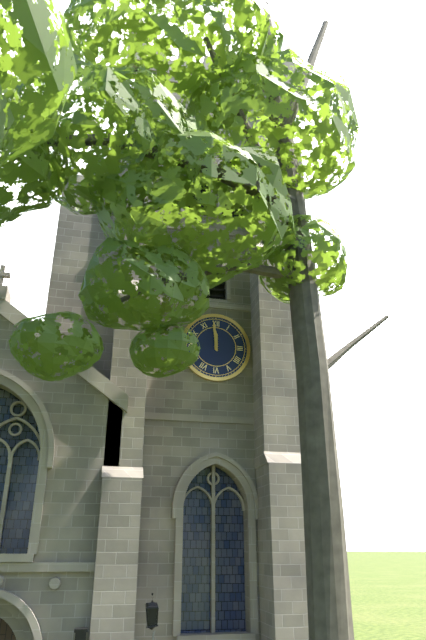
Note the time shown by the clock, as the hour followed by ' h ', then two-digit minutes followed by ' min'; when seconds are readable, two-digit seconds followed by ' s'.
11 h 59 min
